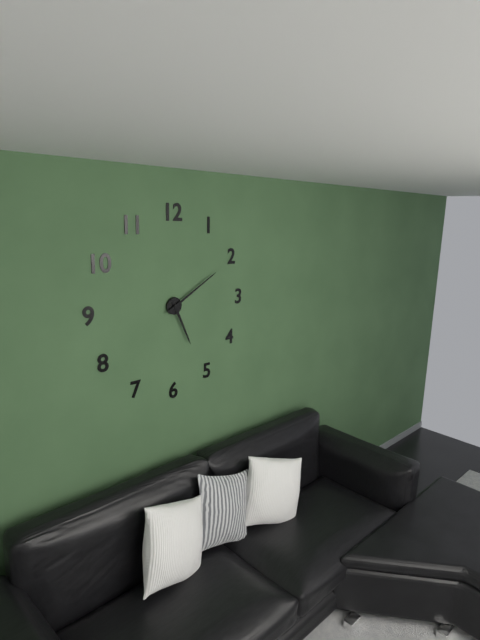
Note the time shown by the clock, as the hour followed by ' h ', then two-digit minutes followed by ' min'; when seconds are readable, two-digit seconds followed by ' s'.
5 h 10 min
